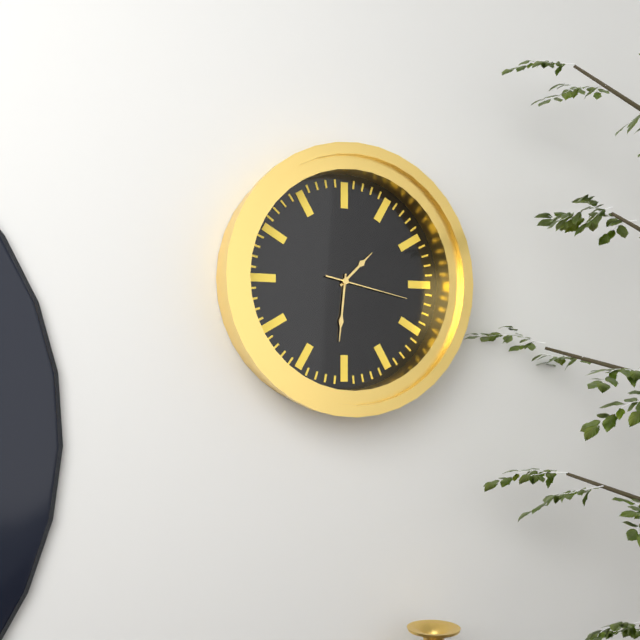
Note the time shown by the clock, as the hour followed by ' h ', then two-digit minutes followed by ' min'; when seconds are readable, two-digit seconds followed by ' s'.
1 h 31 min 17 s
